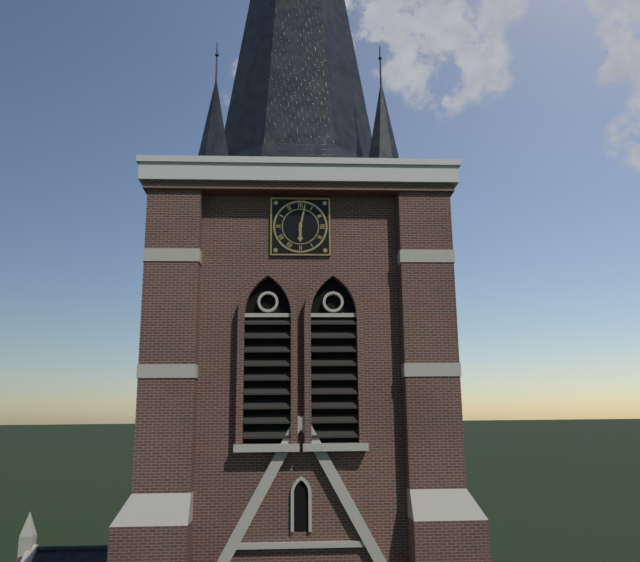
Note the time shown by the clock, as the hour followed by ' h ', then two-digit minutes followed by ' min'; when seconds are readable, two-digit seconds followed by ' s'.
6 h 02 min
